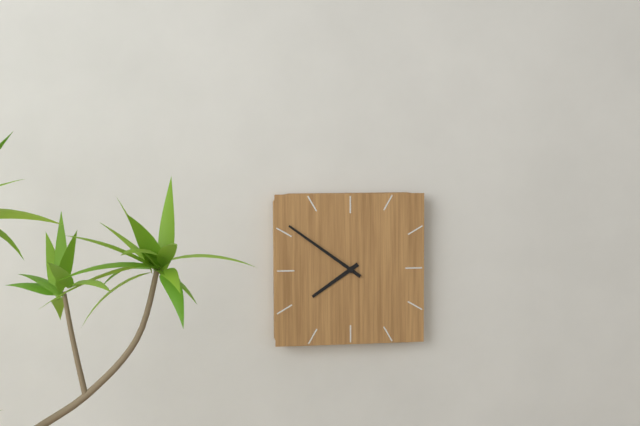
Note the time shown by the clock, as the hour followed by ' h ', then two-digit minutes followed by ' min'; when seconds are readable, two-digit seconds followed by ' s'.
7 h 51 min
